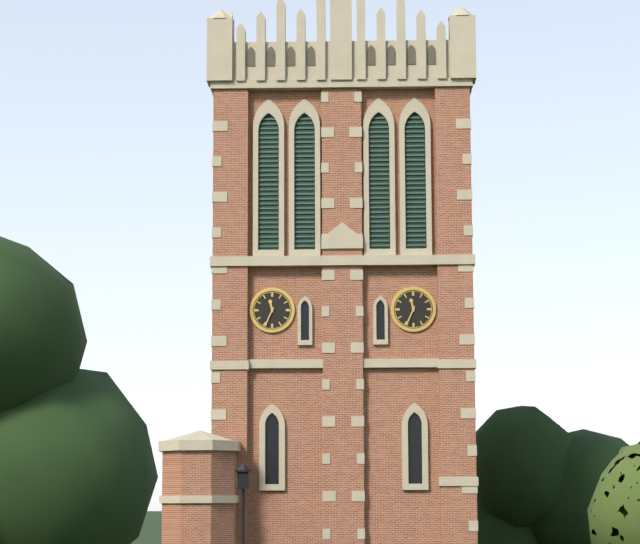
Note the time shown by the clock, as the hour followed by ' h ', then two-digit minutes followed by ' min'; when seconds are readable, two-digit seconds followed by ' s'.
11 h 34 min
